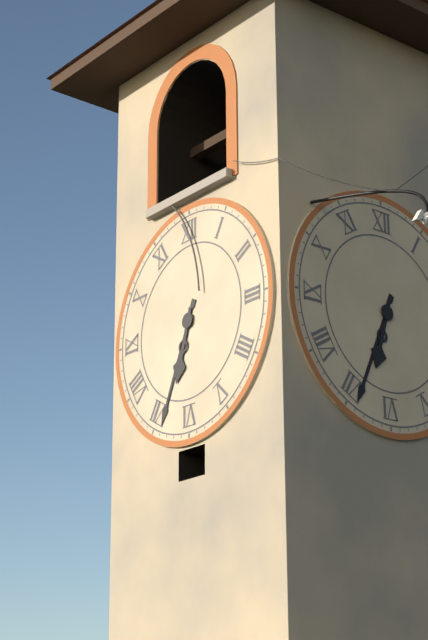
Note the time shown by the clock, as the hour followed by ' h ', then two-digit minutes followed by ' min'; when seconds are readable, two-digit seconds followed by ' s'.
6 h 34 min
